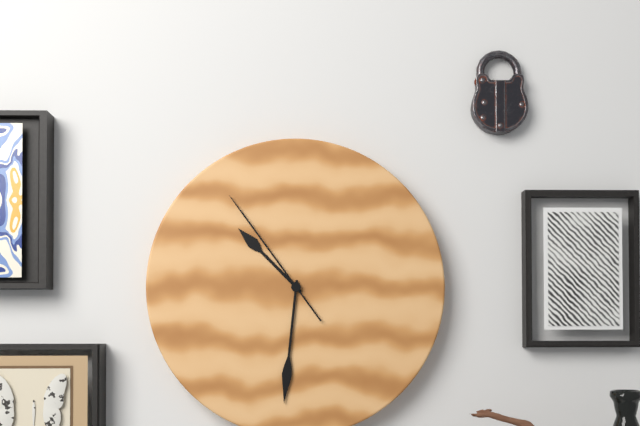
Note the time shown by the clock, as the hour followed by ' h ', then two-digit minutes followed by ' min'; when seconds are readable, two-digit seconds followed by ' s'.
10 h 31 min 54 s
